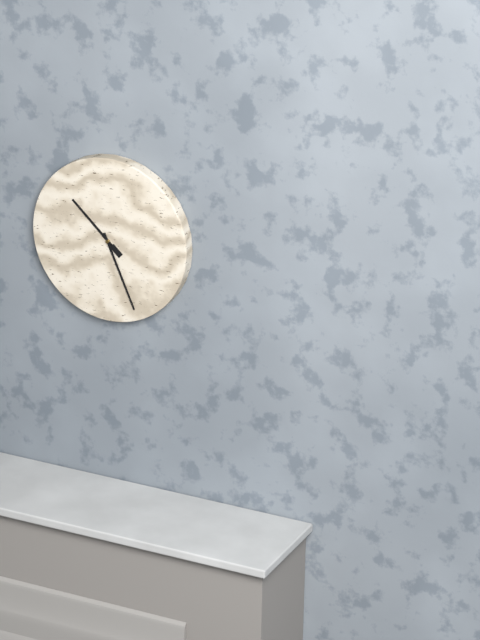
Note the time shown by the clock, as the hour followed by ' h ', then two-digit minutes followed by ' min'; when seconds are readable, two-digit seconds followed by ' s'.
10 h 26 min
